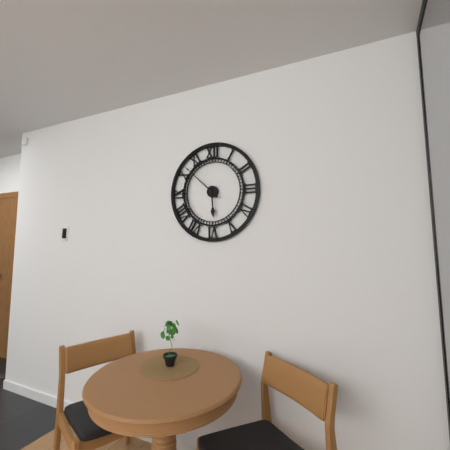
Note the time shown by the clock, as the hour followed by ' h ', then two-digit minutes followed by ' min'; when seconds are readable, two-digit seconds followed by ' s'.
5 h 52 min
